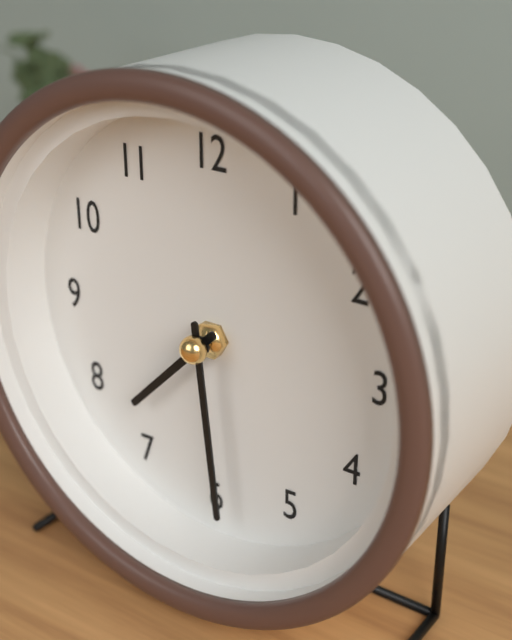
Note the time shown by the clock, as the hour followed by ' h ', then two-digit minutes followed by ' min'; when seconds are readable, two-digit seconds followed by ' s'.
7 h 29 min
